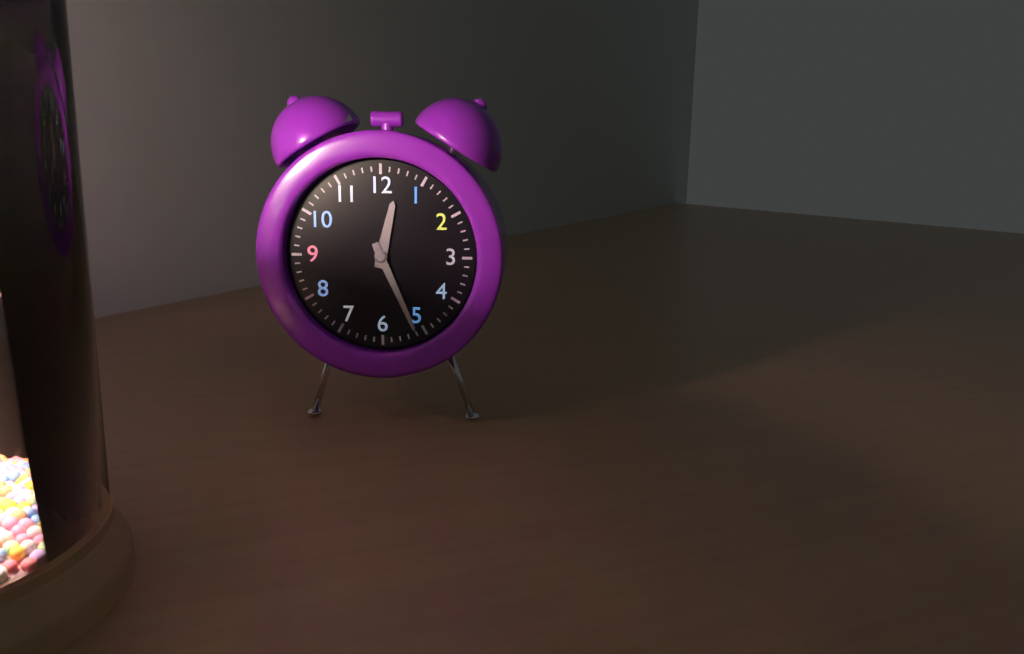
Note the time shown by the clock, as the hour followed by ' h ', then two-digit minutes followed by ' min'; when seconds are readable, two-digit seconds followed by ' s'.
12 h 26 min
